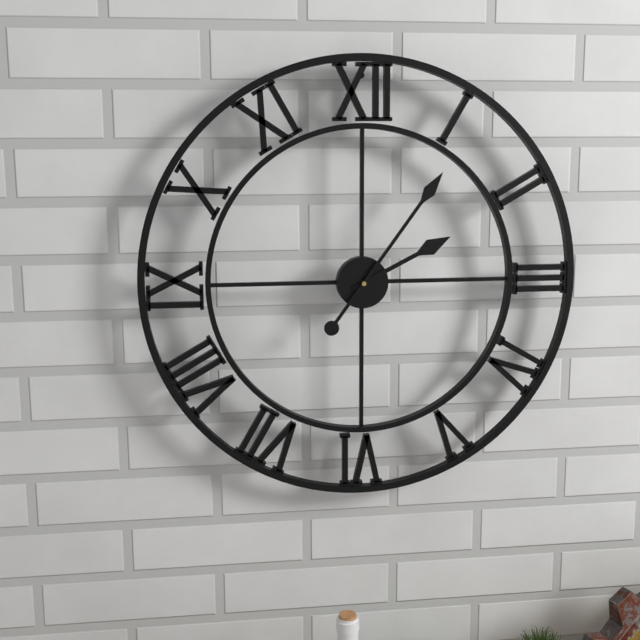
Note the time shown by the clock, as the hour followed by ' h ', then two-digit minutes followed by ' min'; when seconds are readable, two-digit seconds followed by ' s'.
2 h 06 min
